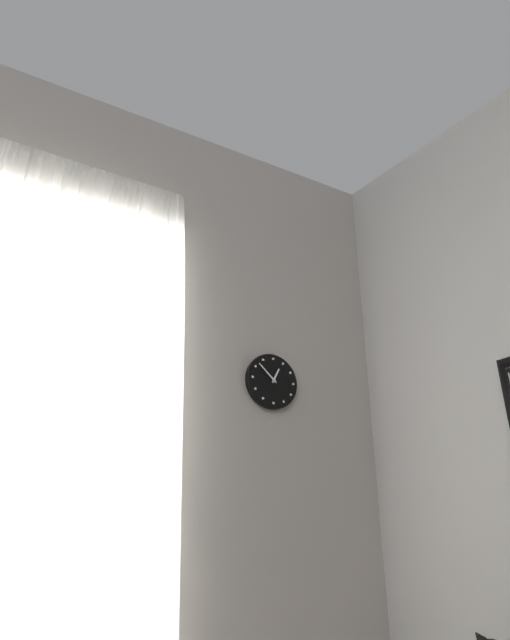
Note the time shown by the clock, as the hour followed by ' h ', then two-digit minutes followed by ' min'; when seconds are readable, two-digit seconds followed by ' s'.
12 h 52 min
